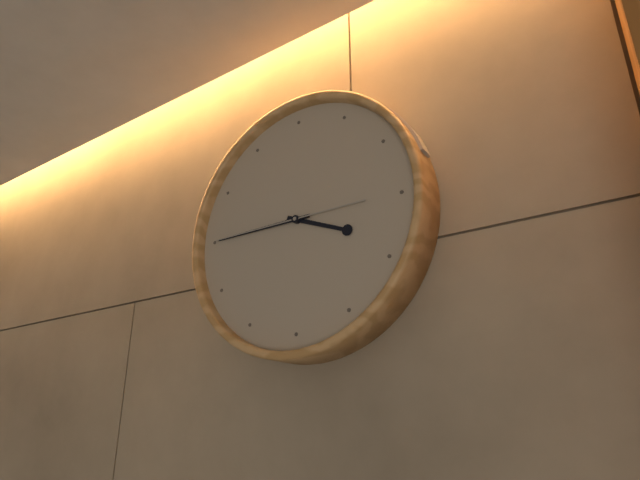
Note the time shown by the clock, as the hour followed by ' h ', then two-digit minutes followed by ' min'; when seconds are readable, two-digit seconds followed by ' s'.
3 h 45 min 45 s
